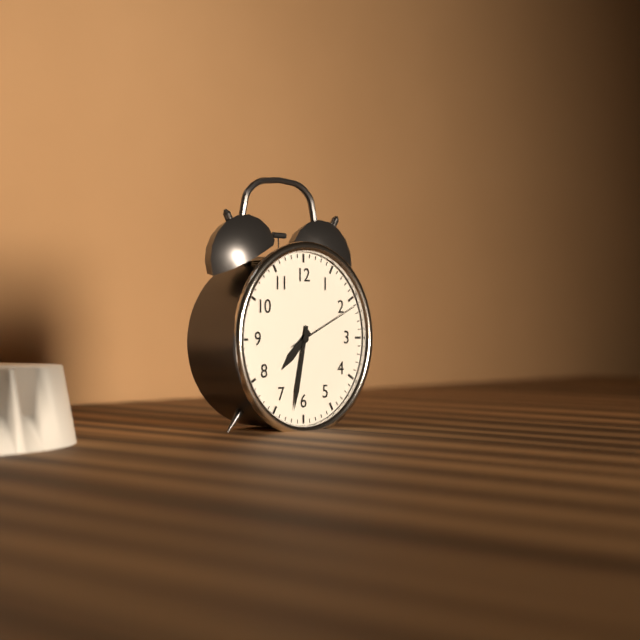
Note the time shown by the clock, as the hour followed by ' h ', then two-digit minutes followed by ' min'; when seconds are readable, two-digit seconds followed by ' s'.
7 h 32 min 11 s
